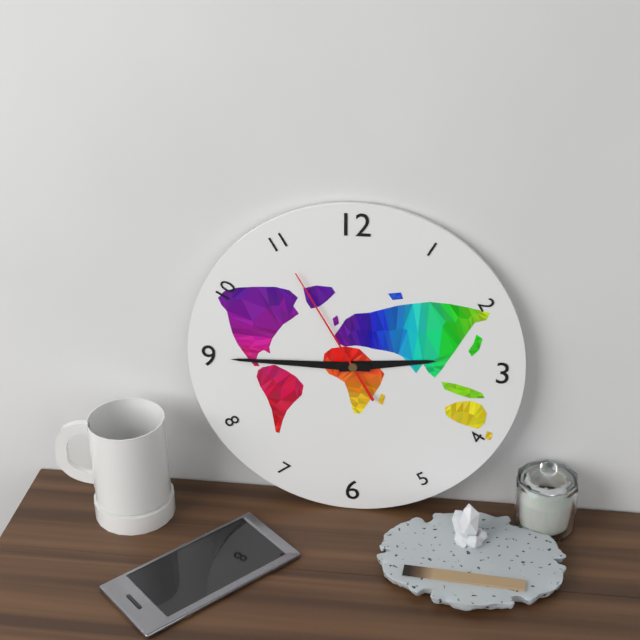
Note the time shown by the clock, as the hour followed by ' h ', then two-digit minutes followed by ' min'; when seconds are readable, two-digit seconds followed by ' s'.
2 h 45 min 55 s
